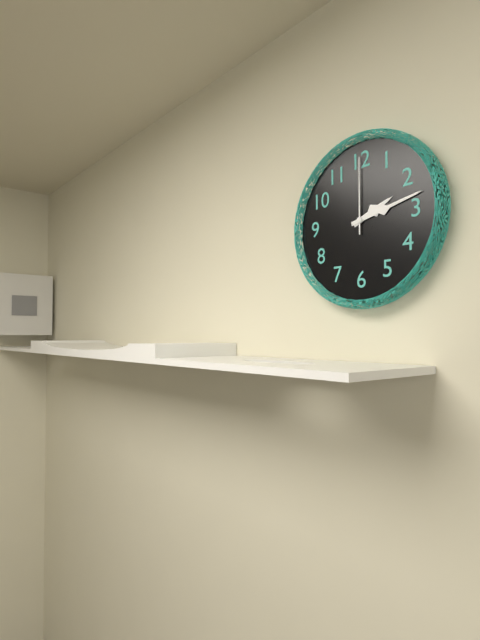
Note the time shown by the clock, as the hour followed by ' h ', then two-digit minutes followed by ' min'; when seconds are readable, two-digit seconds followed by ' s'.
2 h 13 min 00 s
